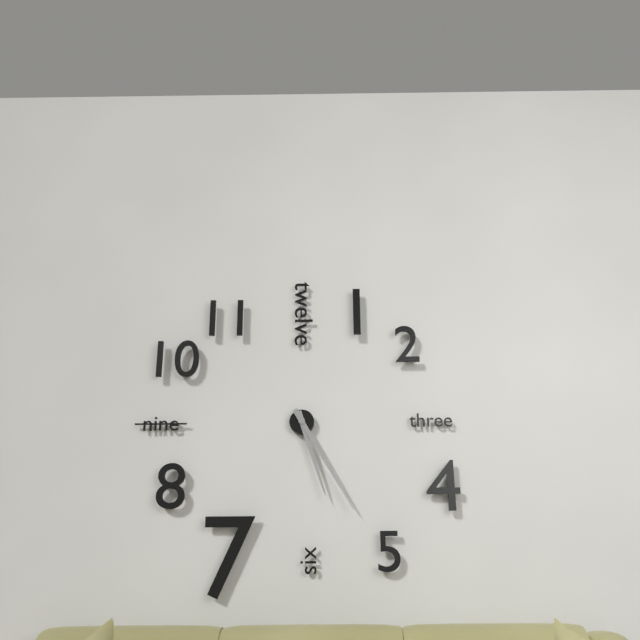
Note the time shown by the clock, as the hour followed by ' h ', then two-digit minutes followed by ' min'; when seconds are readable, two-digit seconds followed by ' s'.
5 h 25 min
